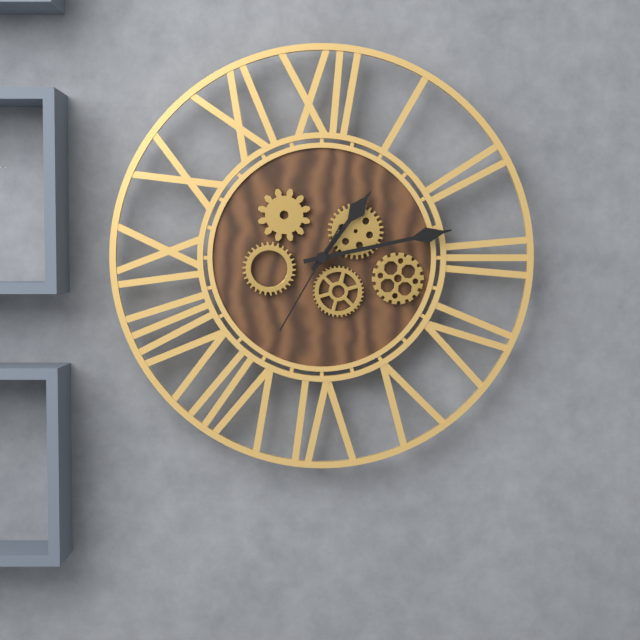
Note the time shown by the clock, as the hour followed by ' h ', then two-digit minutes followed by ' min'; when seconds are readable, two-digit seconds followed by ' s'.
1 h 13 min 35 s
